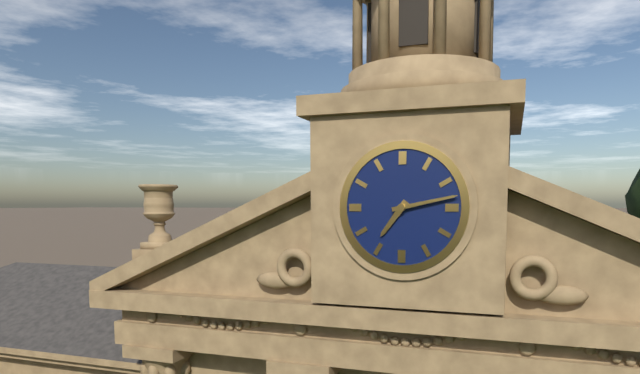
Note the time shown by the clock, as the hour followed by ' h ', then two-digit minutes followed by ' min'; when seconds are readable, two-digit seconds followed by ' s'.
7 h 13 min
